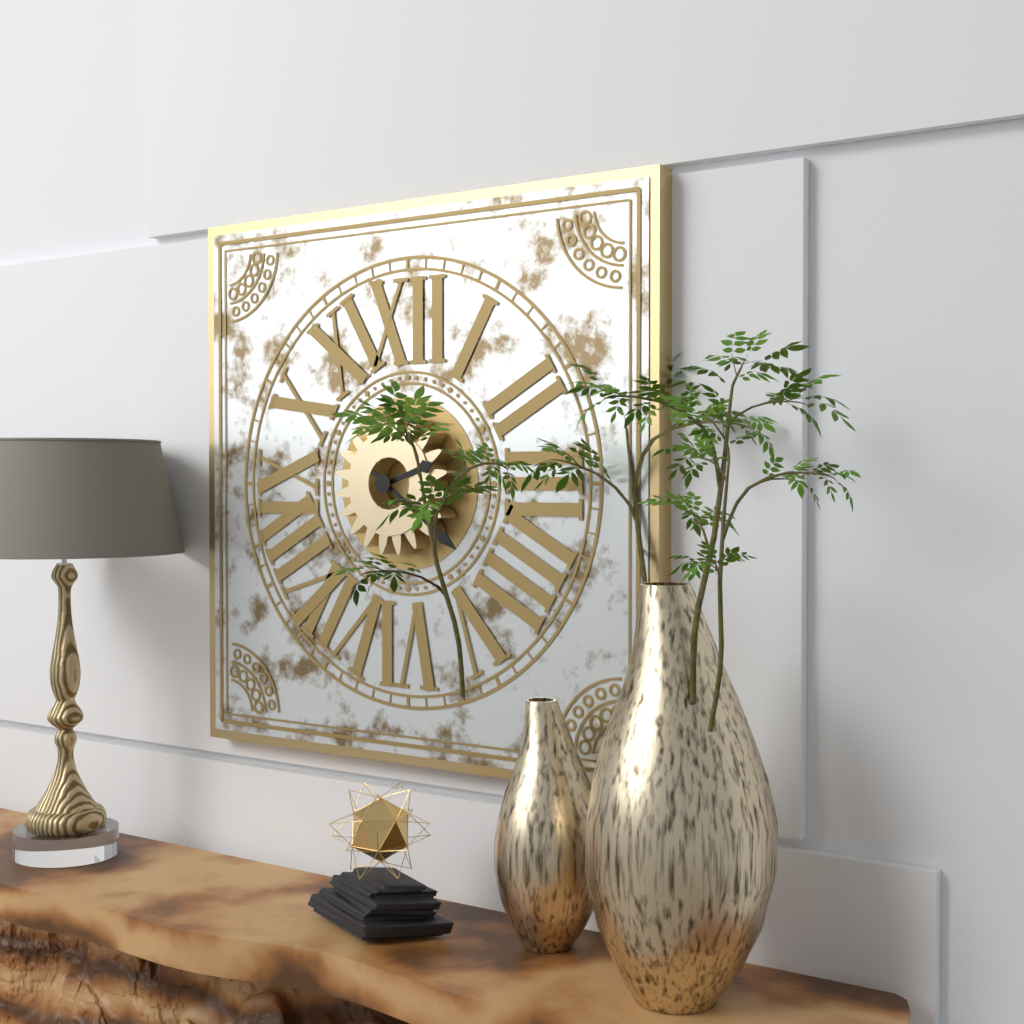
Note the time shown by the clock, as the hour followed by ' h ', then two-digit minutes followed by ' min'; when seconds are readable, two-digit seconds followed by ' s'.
2 h 21 min
